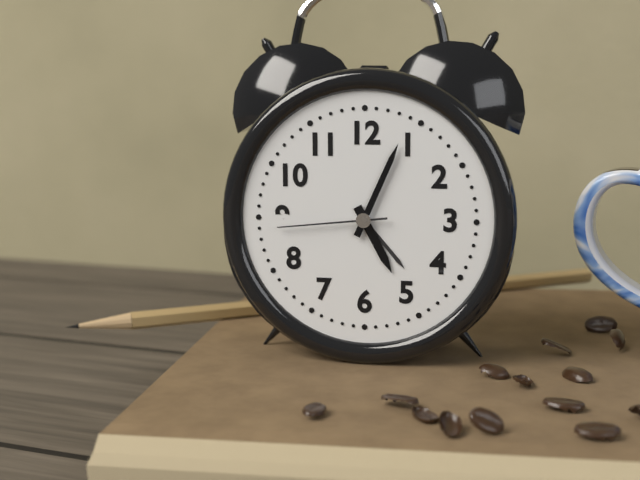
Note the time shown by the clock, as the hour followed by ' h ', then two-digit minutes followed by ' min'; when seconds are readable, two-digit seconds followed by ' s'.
5 h 04 min 44 s
